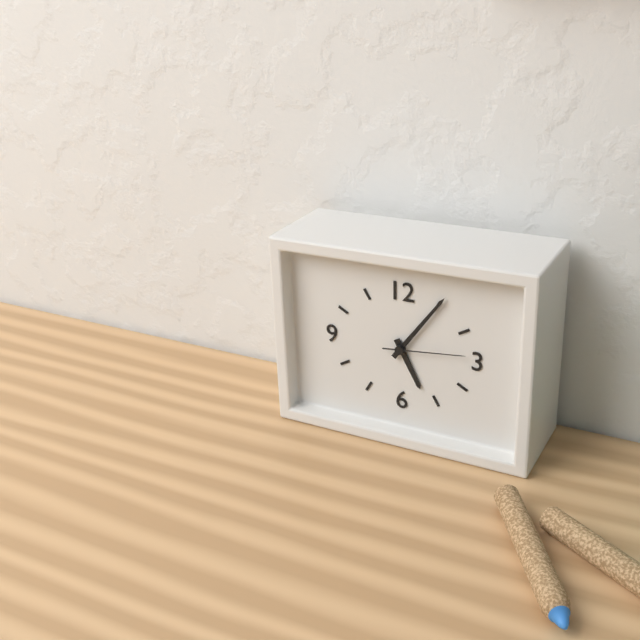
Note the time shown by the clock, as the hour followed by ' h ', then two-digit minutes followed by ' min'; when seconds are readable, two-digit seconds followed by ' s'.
5 h 06 min 14 s
